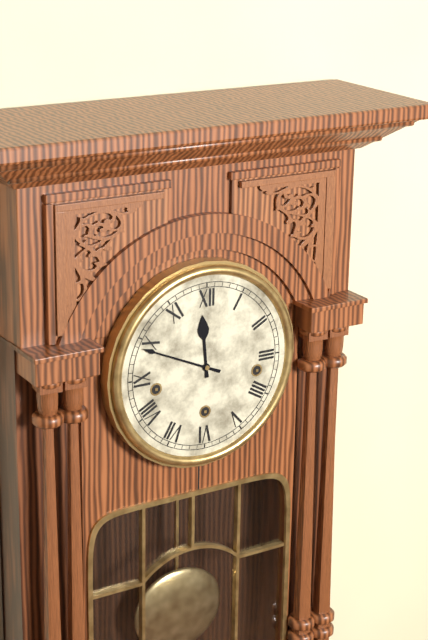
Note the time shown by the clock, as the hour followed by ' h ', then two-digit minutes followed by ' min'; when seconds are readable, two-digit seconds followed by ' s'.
11 h 49 min
